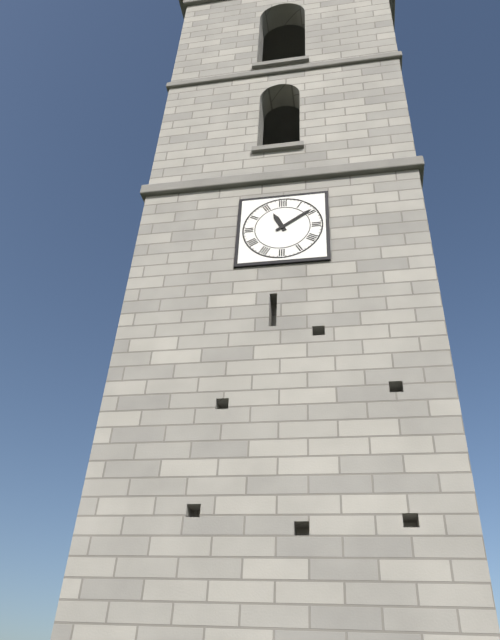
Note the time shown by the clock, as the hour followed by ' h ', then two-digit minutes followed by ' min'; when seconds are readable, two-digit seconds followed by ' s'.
11 h 09 min
